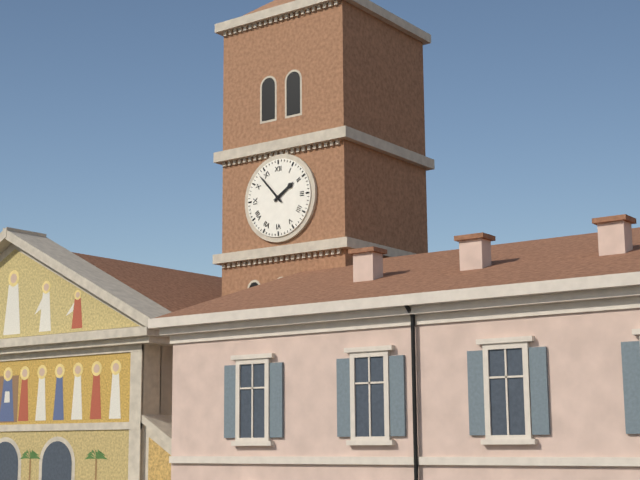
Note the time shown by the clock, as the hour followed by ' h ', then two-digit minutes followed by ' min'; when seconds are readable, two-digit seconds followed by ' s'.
1 h 53 min
